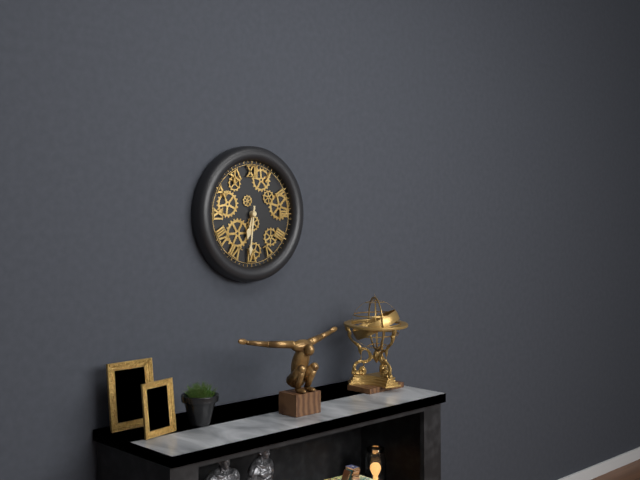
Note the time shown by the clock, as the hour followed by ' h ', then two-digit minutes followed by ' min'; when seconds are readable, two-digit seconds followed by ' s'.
6 h 31 min
